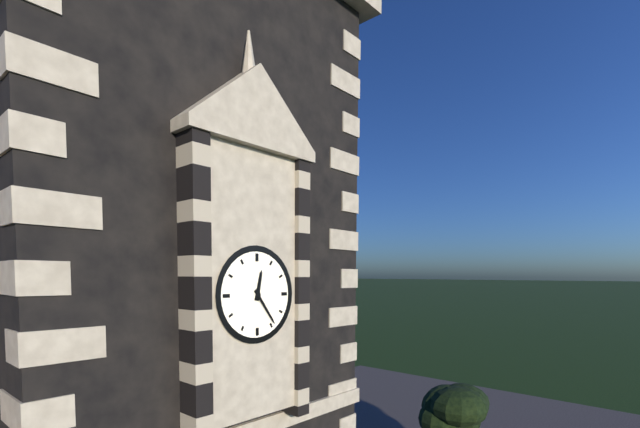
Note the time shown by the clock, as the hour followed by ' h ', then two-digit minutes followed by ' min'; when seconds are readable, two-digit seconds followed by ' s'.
12 h 24 min
